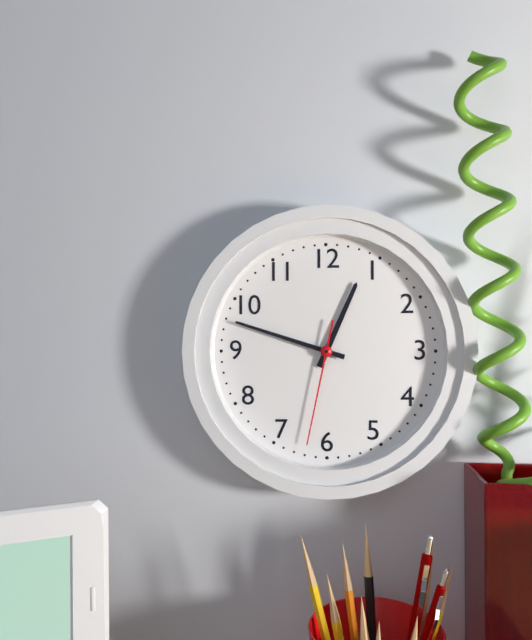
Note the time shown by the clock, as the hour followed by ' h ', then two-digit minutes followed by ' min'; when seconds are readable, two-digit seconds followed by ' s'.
12 h 48 min 32 s
